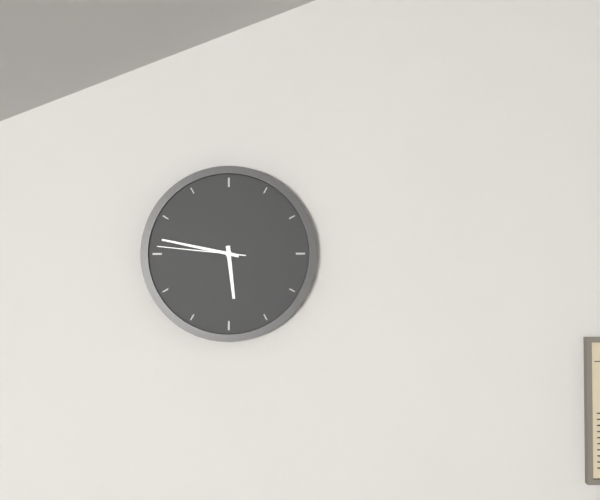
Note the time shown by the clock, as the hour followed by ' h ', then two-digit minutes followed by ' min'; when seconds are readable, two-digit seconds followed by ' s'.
5 h 47 min 46 s
